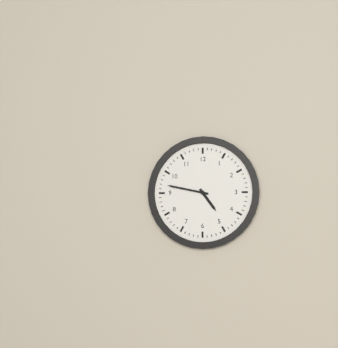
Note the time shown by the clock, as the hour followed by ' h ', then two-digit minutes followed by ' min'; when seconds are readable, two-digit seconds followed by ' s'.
4 h 47 min
